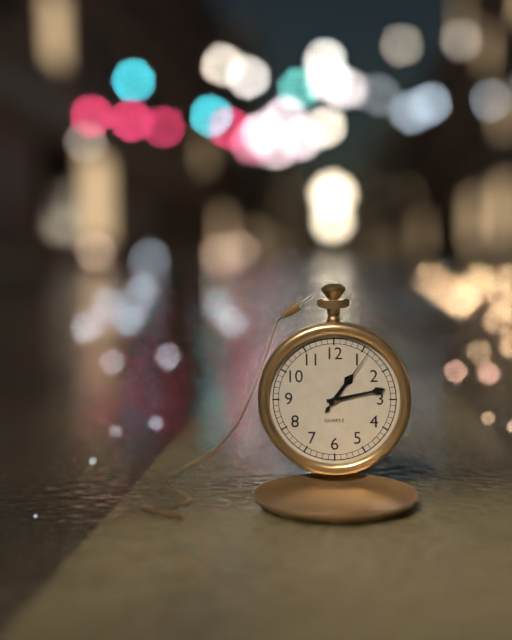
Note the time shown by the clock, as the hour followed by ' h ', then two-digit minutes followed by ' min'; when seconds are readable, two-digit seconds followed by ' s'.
1 h 13 min 06 s
